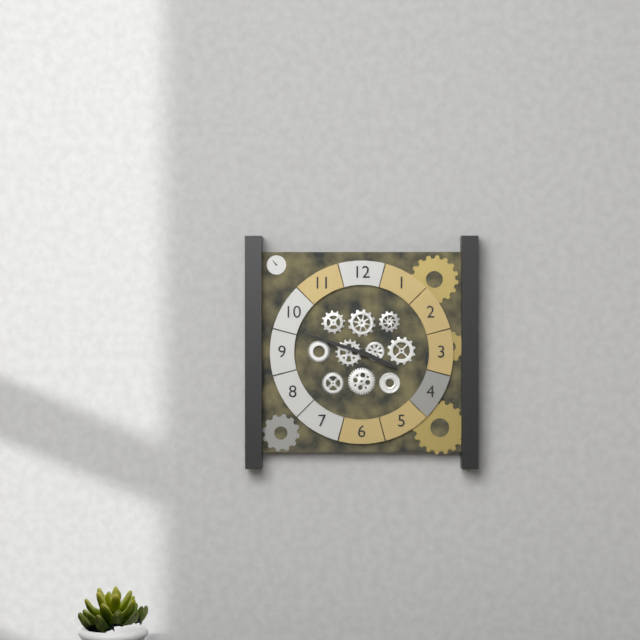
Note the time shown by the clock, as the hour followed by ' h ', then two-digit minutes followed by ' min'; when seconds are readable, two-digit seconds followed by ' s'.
3 h 48 min
